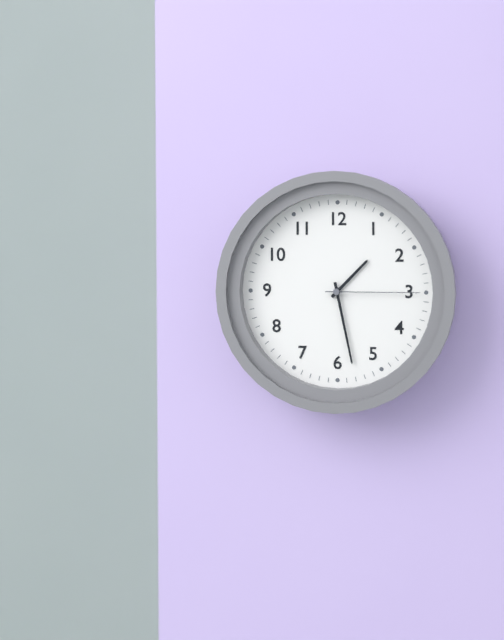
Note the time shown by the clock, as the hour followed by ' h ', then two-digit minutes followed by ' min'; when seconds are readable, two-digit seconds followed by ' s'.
1 h 28 min 15 s
